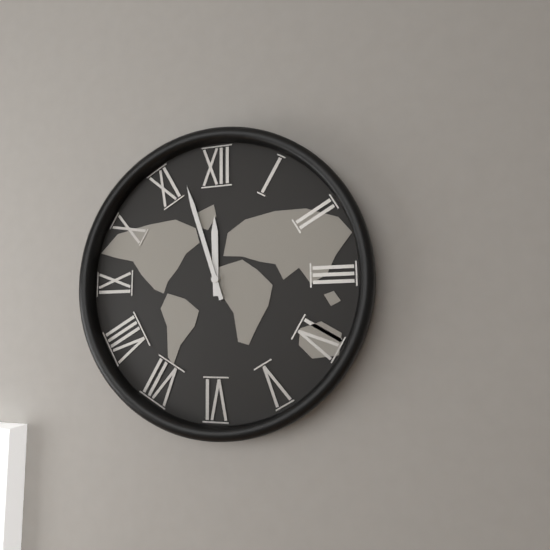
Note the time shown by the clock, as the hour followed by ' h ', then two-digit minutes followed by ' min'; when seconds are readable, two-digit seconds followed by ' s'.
11 h 57 min
